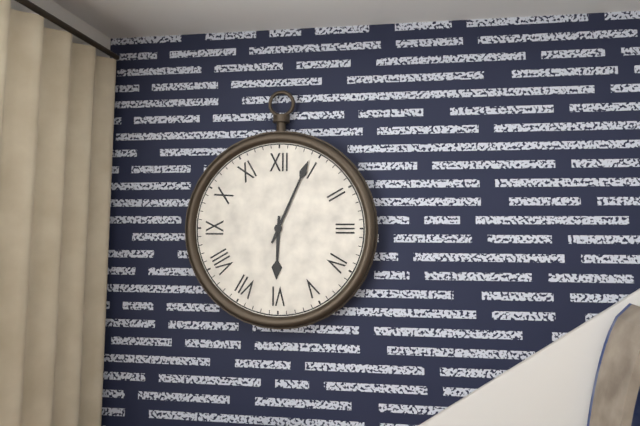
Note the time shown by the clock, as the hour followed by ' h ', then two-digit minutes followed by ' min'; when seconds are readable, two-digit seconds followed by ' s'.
6 h 04 min
